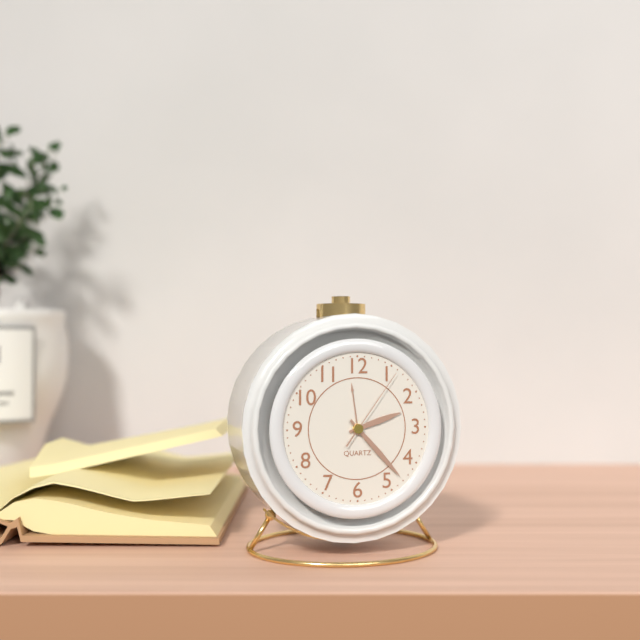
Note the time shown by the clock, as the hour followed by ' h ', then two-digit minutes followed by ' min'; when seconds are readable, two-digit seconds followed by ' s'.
2 h 23 min 06 s
